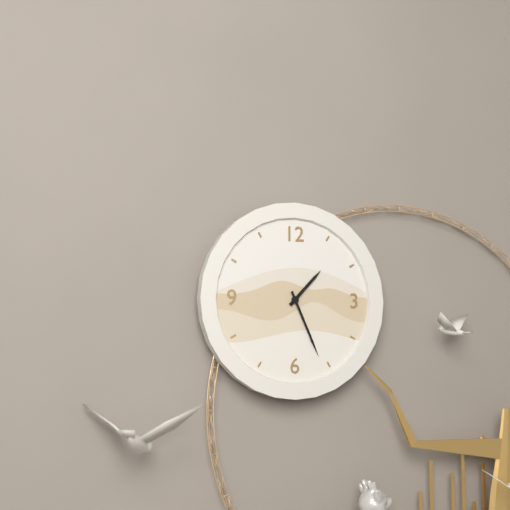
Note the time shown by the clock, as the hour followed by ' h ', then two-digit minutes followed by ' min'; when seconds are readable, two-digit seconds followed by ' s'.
1 h 26 min
